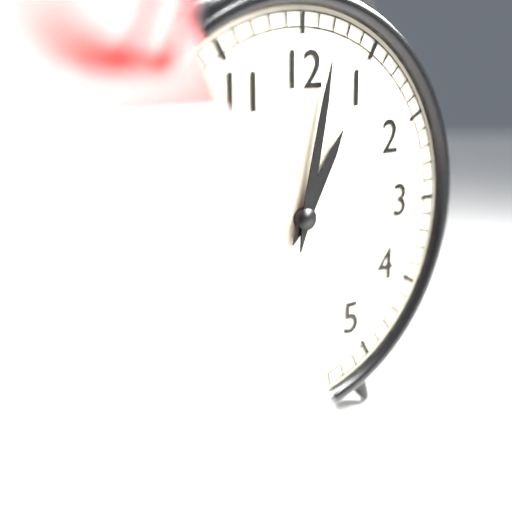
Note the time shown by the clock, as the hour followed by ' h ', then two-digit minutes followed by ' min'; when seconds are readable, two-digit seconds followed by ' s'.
1 h 02 min
